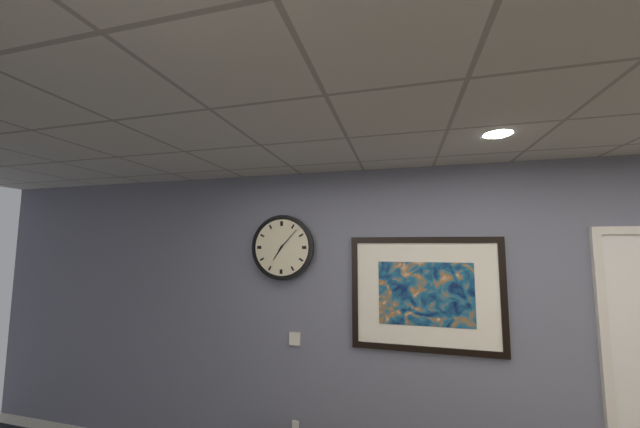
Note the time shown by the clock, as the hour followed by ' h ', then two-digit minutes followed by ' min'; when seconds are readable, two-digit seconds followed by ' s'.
7 h 07 min
